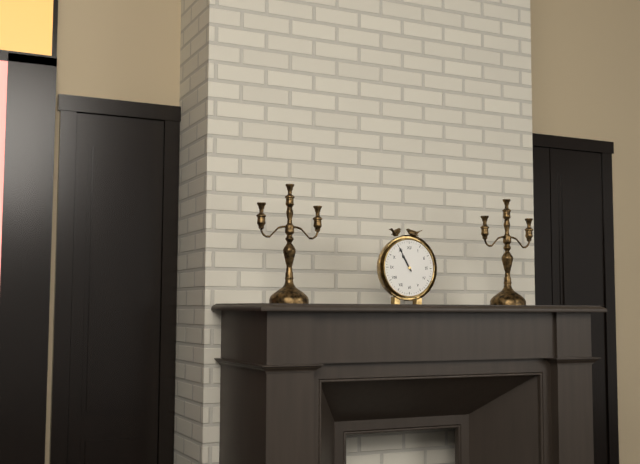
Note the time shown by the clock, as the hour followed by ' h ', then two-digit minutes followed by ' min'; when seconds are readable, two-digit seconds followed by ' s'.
10 h 55 min
